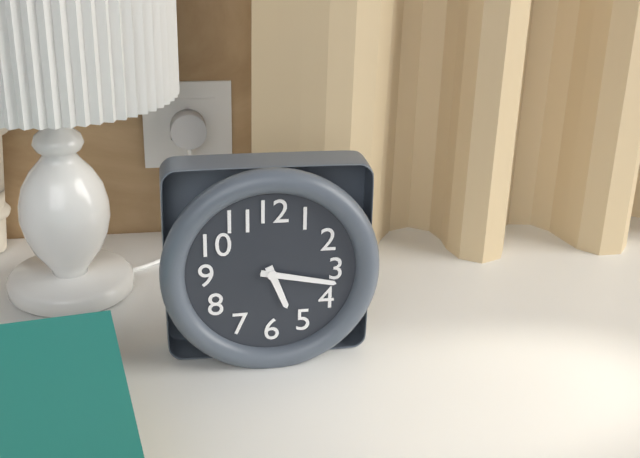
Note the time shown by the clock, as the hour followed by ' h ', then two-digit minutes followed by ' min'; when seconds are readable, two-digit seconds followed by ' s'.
5 h 17 min
